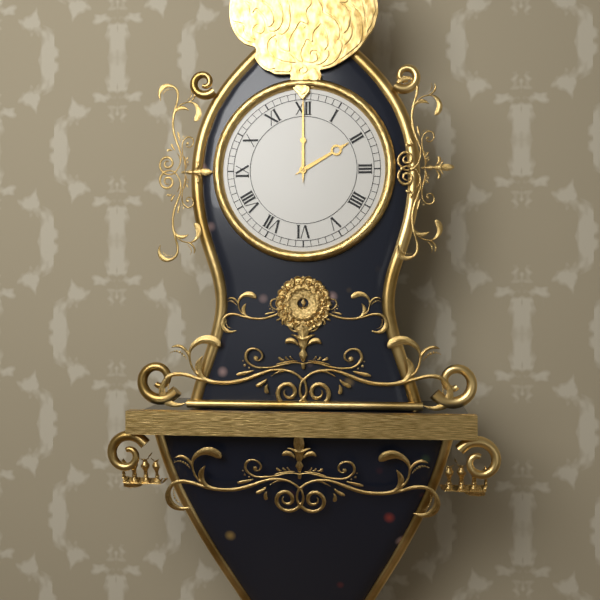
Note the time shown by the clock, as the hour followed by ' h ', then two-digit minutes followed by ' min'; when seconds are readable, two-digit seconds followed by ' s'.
2 h 00 min
